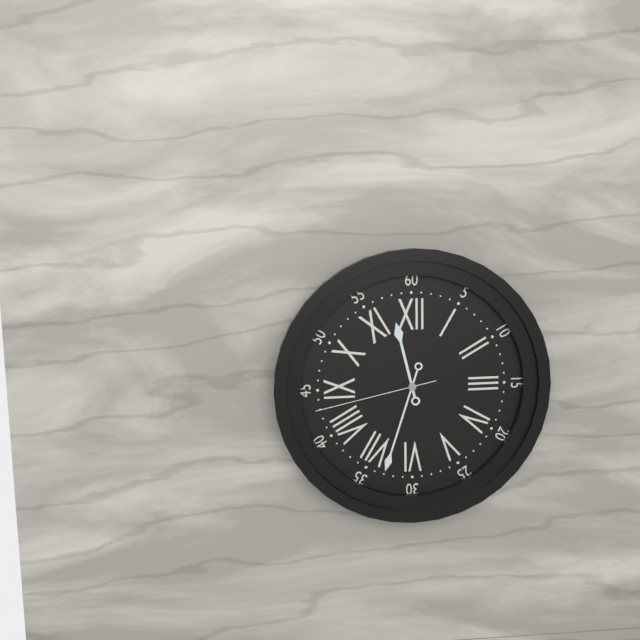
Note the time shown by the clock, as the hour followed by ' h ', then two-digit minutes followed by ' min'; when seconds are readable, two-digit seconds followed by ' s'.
11 h 33 min 43 s
